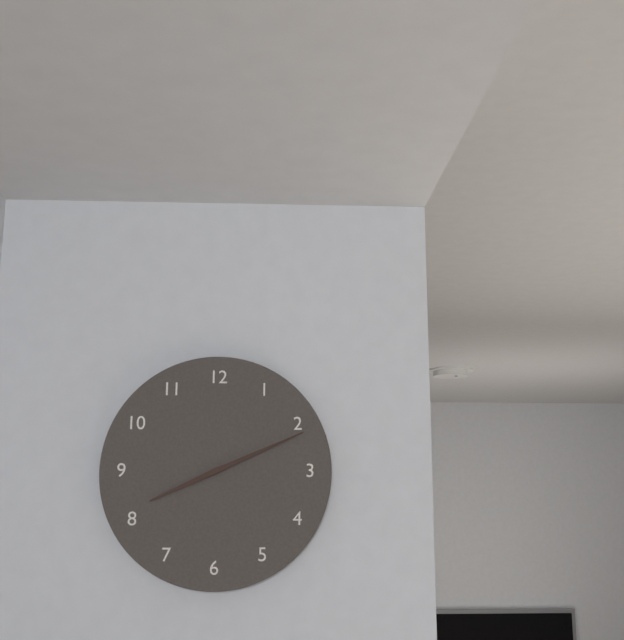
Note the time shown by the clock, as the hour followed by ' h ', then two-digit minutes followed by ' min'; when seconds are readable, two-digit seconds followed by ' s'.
8 h 11 min
